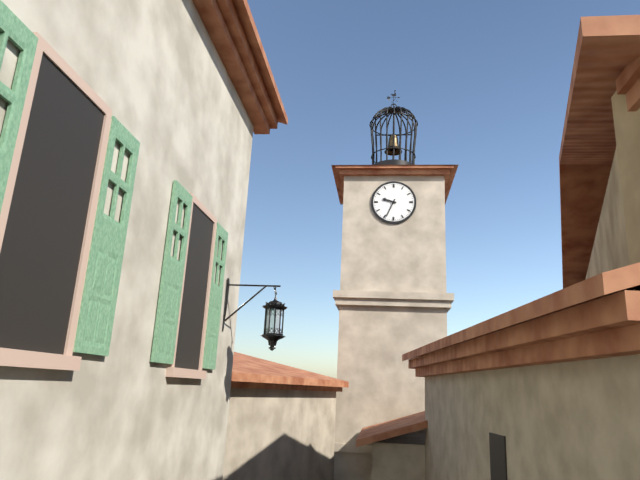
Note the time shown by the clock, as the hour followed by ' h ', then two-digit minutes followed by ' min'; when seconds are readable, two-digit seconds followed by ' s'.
9 h 34 min
